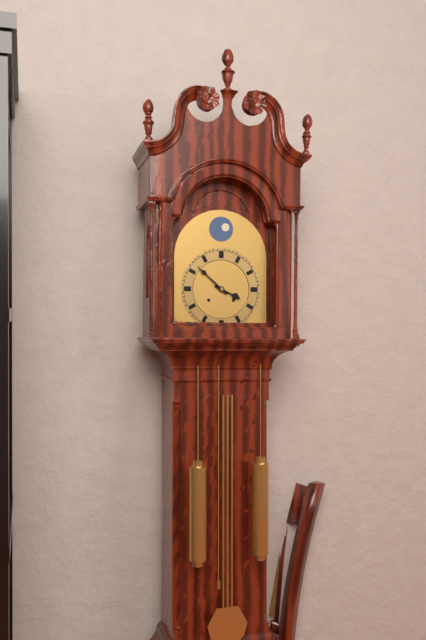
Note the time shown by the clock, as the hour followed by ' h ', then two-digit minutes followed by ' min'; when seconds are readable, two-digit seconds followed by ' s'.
3 h 52 min
